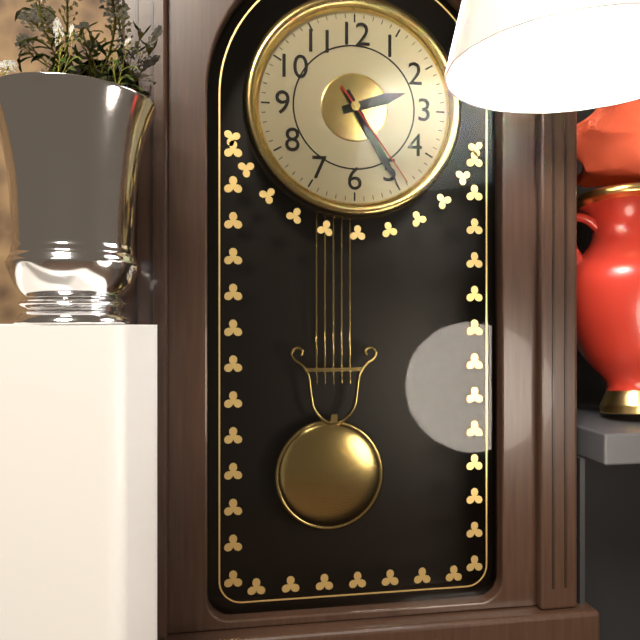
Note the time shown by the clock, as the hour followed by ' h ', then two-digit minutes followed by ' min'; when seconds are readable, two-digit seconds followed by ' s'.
2 h 25 min 24 s
